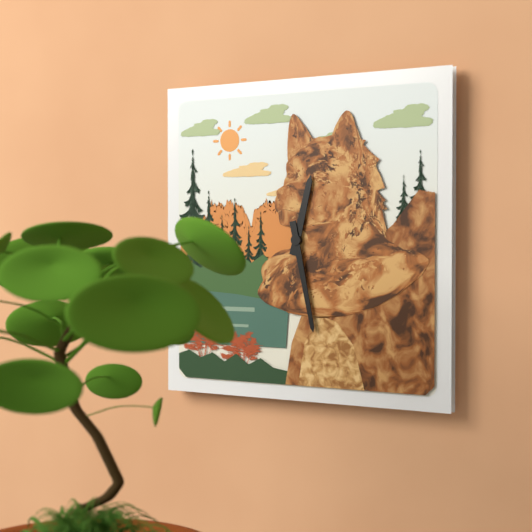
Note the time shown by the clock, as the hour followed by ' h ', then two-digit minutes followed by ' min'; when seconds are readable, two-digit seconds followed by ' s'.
12 h 28 min
